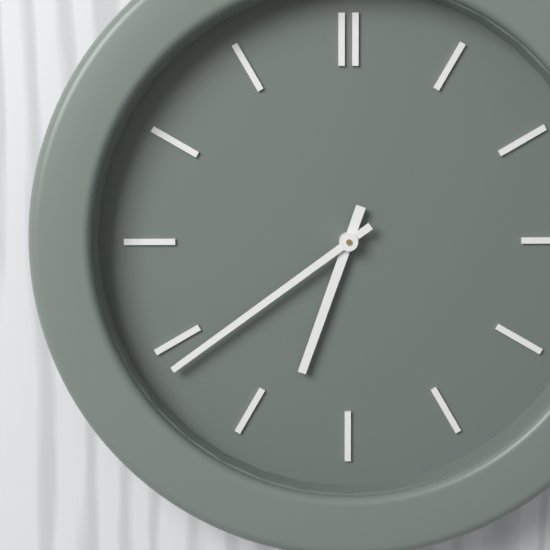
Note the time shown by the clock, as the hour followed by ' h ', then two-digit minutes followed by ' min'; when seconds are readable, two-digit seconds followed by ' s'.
6 h 39 min
